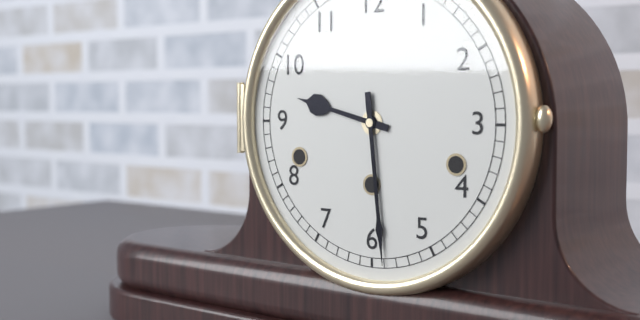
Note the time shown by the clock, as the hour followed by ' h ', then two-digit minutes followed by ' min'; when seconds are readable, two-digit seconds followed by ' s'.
9 h 29 min
